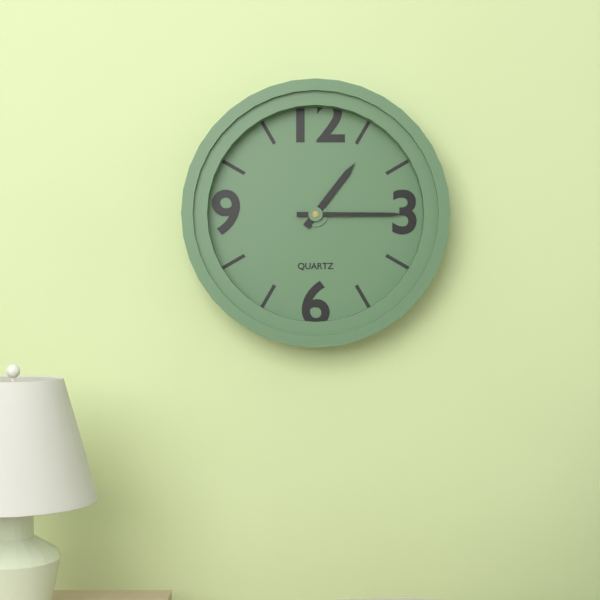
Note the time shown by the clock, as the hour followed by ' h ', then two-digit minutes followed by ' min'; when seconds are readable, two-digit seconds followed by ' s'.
1 h 15 min
